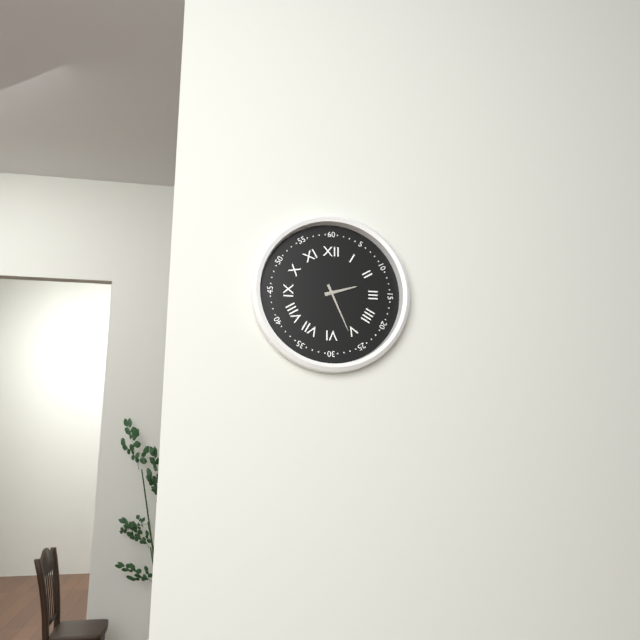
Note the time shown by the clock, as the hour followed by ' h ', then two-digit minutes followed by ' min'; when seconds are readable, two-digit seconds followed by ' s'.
2 h 26 min
